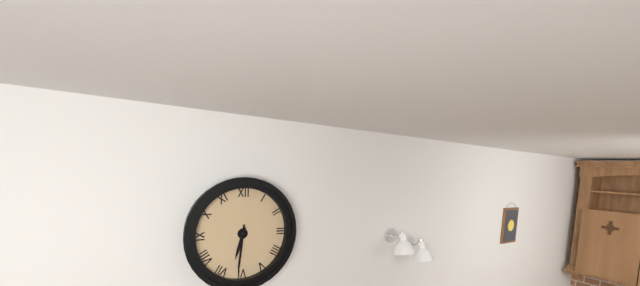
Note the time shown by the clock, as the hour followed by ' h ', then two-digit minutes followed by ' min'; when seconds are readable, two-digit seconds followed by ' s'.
6 h 31 min
